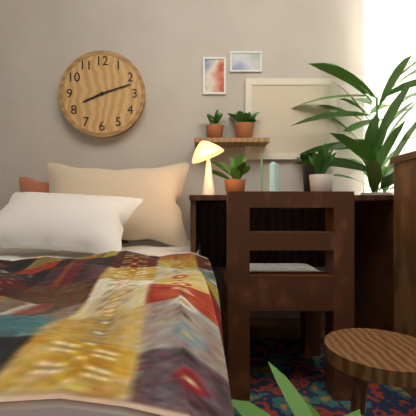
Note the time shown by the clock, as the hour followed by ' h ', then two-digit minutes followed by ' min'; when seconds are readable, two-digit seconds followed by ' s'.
8 h 12 min
